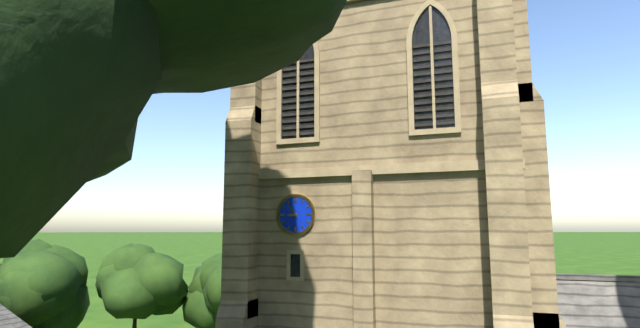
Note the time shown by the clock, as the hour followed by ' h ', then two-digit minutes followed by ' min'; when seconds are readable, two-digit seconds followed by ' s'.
8 h 54 min
